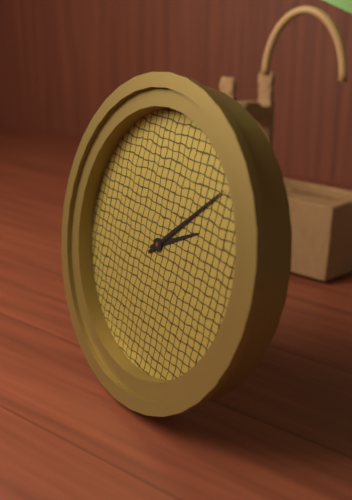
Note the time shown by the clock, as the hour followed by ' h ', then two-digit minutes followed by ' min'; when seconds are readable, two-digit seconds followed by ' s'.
2 h 08 min
